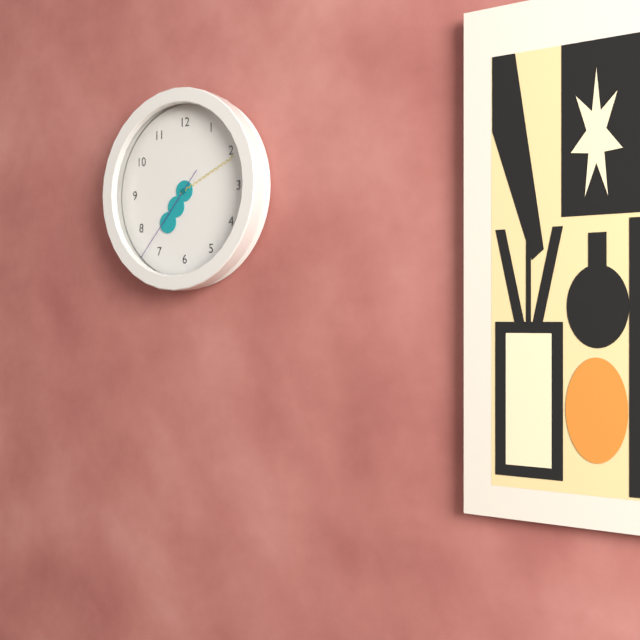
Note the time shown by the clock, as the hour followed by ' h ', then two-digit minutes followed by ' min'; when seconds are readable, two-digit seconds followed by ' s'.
7 h 11 min 37 s
